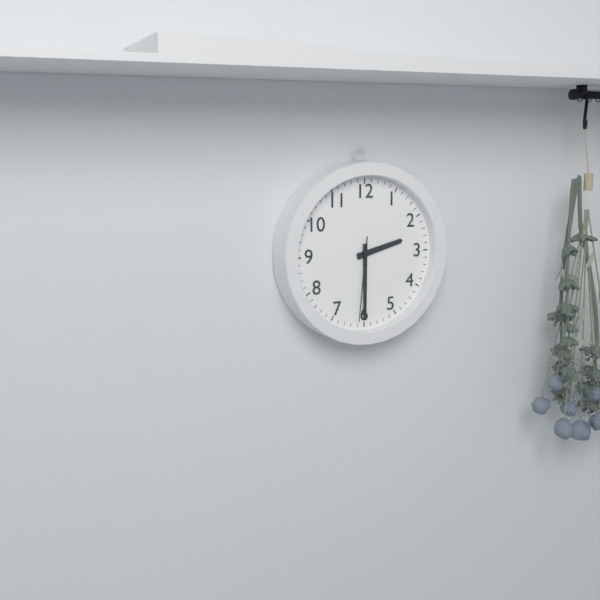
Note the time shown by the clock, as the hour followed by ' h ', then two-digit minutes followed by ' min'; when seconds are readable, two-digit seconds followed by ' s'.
2 h 30 min 31 s
